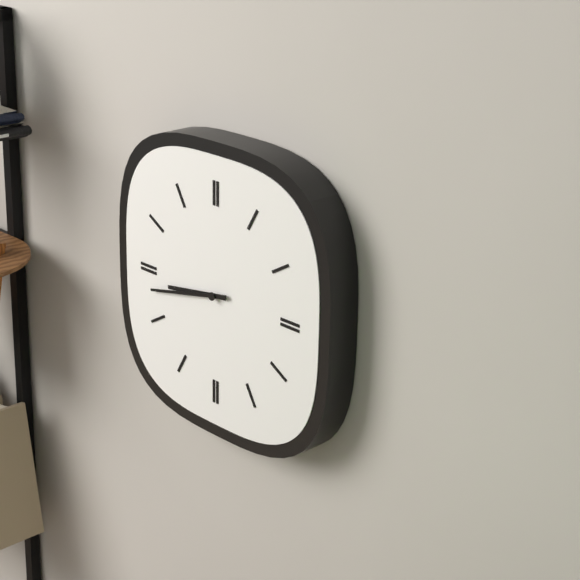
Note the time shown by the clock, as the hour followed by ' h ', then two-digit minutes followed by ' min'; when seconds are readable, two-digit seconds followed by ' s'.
8 h 43 min
